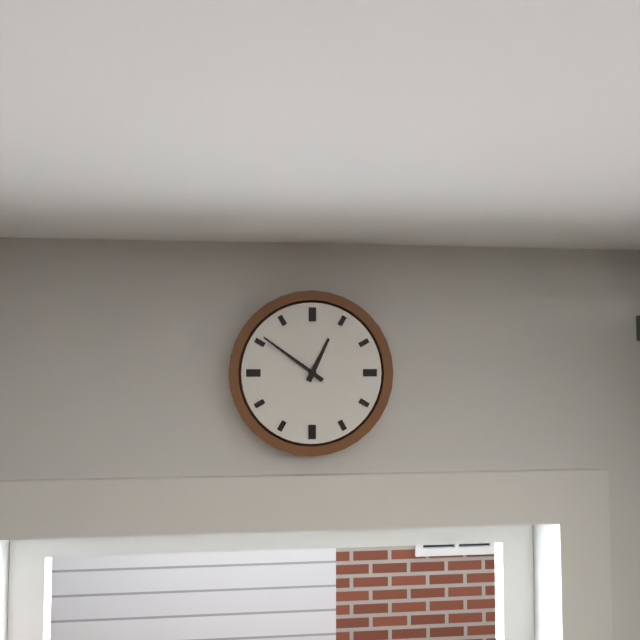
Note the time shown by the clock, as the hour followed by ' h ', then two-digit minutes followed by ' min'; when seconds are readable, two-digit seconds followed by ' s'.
12 h 51 min
